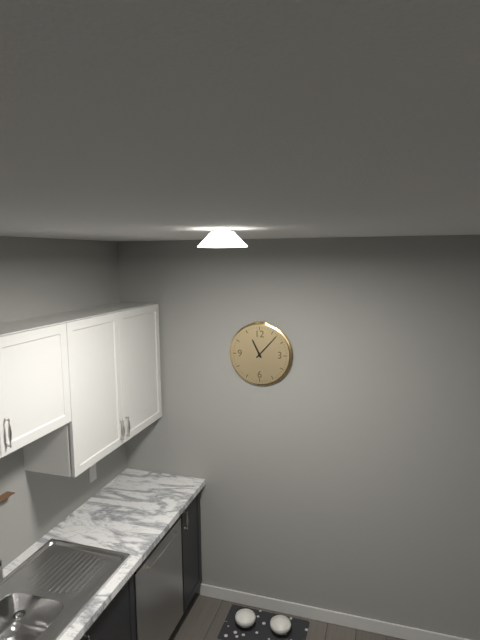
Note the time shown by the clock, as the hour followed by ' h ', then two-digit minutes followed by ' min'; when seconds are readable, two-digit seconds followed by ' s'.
11 h 07 min
